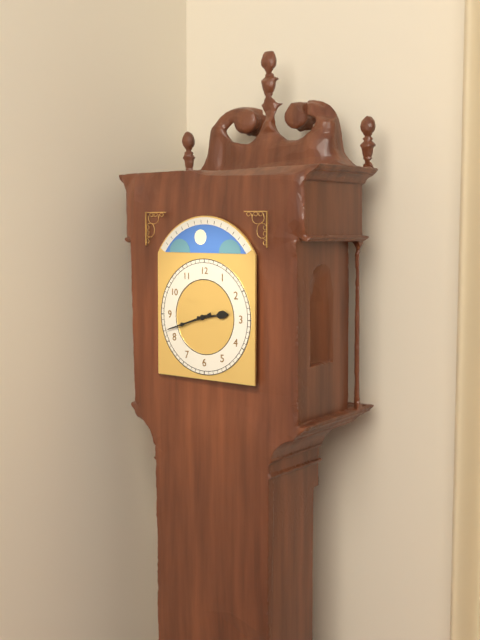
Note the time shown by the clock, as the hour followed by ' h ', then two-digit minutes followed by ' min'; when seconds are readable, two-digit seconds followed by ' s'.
2 h 42 min
